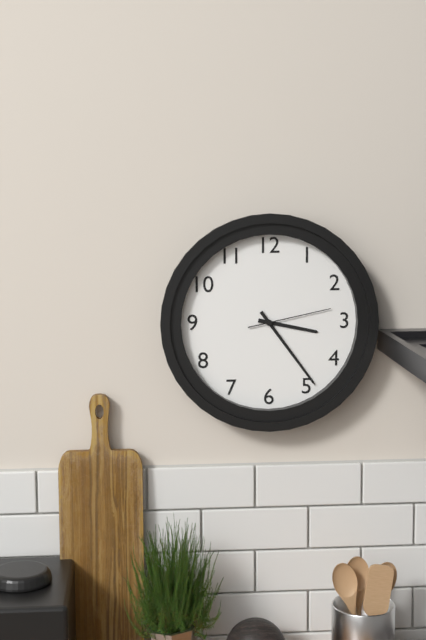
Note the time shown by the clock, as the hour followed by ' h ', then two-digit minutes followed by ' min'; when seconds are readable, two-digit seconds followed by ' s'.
3 h 24 min 13 s
